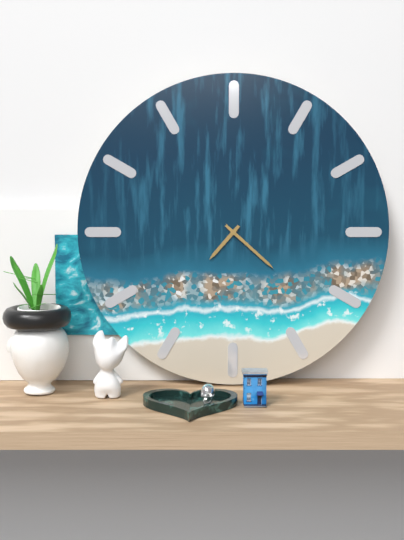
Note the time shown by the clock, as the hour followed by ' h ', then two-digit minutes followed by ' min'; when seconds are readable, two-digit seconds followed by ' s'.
7 h 22 min
